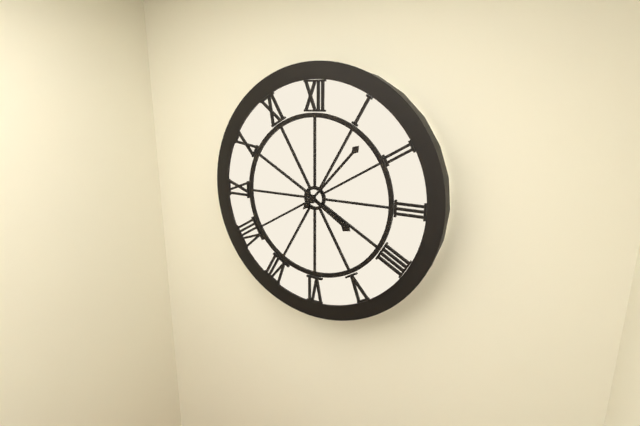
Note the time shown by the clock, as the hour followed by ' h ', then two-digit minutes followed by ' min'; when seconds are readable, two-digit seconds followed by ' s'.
4 h 07 min
